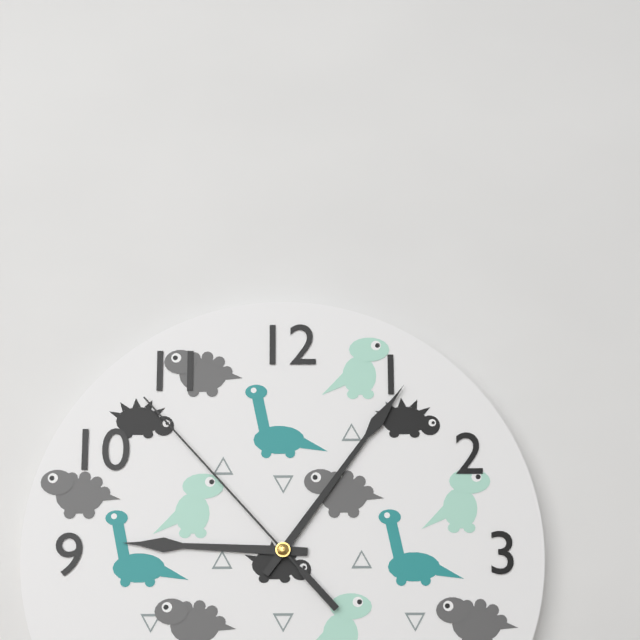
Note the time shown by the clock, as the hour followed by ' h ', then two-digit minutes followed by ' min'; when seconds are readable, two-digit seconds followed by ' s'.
9 h 06 min 53 s
